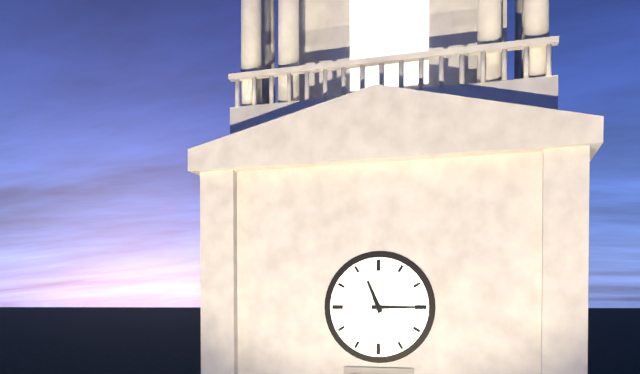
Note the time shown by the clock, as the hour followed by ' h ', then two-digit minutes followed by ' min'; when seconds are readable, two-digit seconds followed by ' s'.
11 h 15 min
